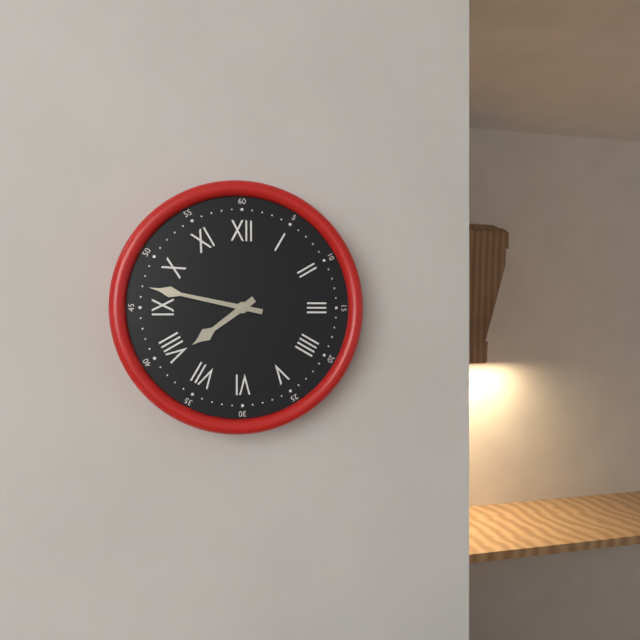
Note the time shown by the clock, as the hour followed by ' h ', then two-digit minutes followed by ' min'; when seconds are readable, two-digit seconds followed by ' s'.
7 h 47 min
